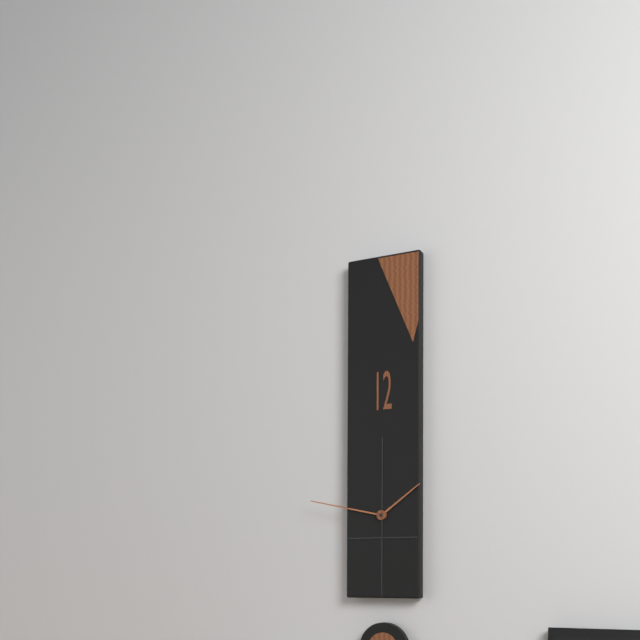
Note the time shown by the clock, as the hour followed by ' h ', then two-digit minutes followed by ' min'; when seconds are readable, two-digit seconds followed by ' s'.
1 h 47 min
